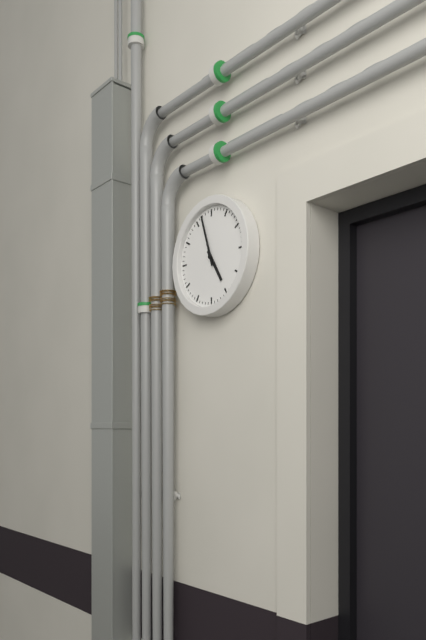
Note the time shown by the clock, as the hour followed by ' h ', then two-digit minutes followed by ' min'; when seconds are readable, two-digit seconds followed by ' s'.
4 h 57 min
